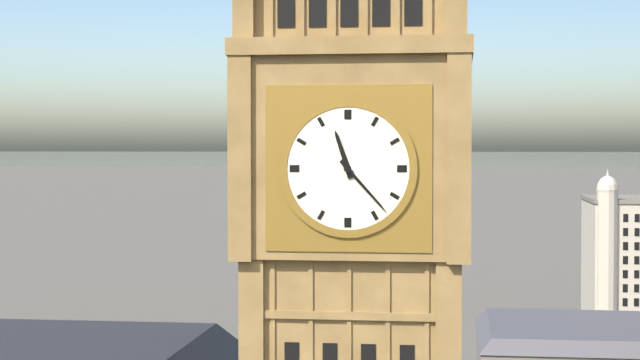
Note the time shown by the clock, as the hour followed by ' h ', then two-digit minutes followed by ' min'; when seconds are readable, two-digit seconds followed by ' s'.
11 h 23 min
